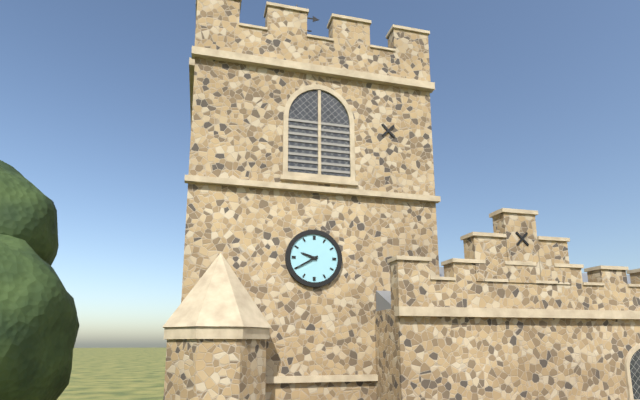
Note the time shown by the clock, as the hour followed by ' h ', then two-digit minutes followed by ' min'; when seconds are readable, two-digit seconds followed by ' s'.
9 h 40 min
